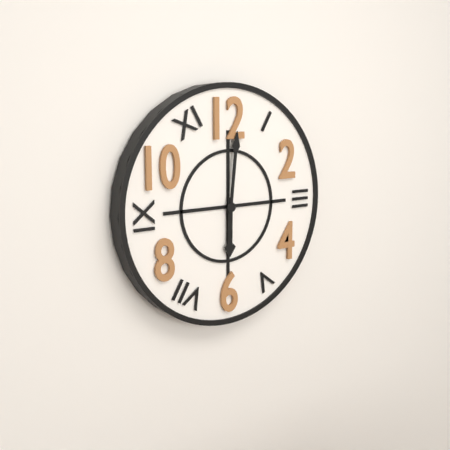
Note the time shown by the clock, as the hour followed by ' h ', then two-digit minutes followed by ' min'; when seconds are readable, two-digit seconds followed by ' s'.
6 h 01 min
